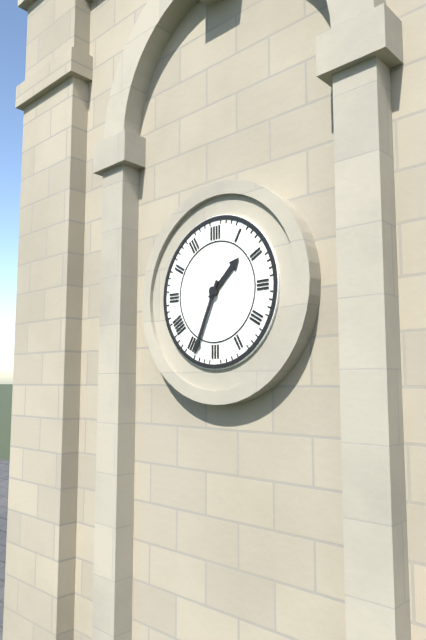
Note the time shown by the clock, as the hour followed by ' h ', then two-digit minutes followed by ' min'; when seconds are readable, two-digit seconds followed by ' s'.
1 h 34 min
